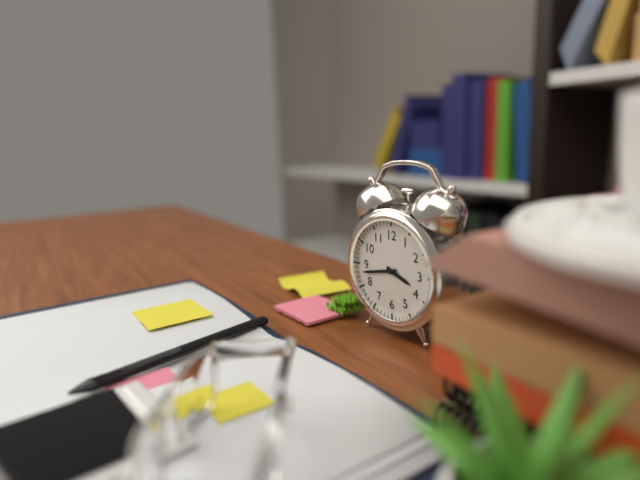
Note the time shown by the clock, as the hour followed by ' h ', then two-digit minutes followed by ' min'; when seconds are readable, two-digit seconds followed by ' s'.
3 h 43 min
